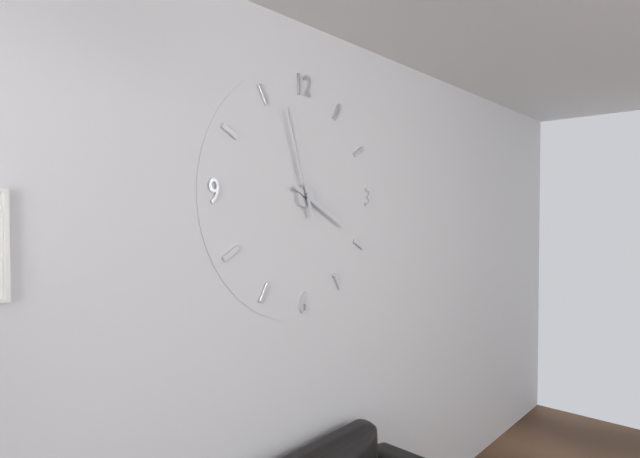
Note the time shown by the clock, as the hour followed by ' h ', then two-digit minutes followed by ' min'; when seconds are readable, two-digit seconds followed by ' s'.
3 h 57 min
